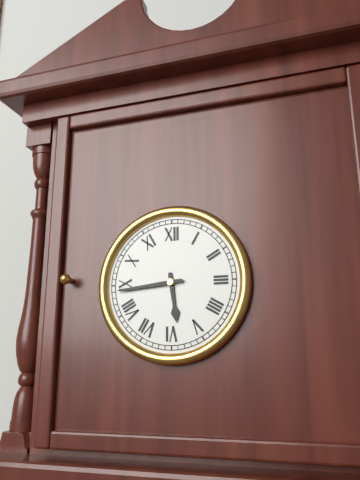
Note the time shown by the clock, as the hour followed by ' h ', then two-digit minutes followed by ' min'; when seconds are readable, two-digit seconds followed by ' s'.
5 h 44 min
